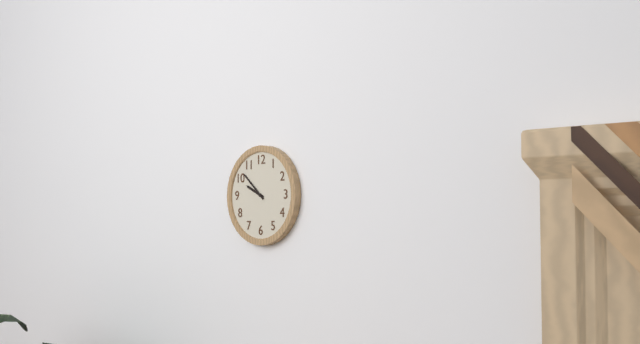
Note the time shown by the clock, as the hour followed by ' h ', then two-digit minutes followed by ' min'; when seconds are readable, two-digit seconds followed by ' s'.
9 h 52 min
